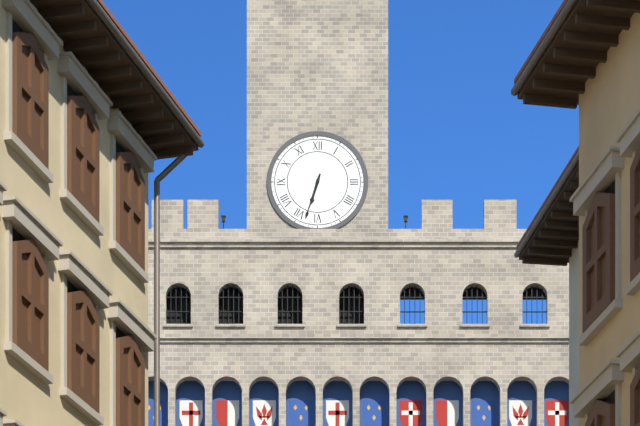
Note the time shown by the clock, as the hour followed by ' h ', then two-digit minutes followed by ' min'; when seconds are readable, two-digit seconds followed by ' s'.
6 h 33 min
